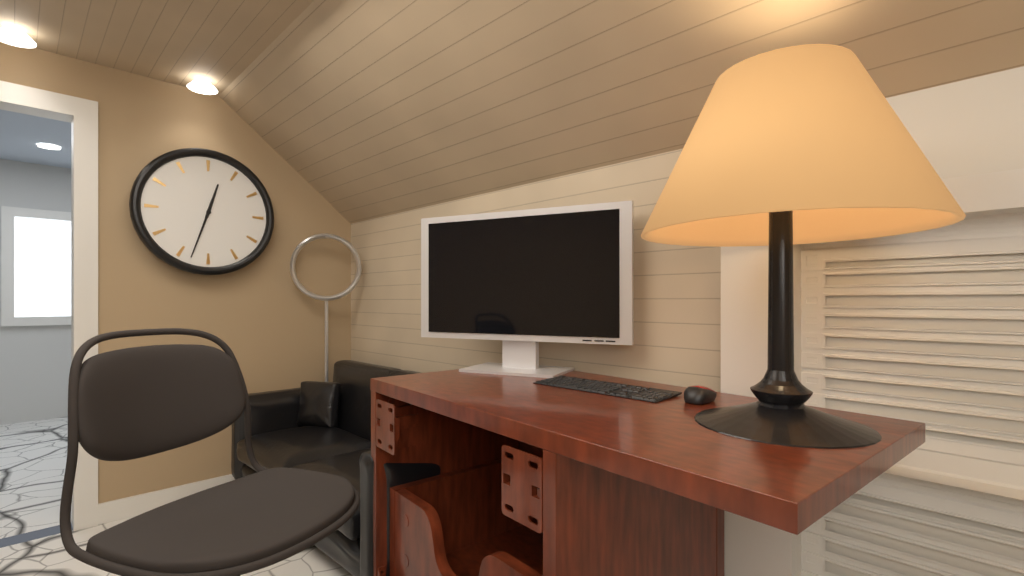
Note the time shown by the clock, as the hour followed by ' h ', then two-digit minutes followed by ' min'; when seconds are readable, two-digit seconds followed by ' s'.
12 h 33 min
